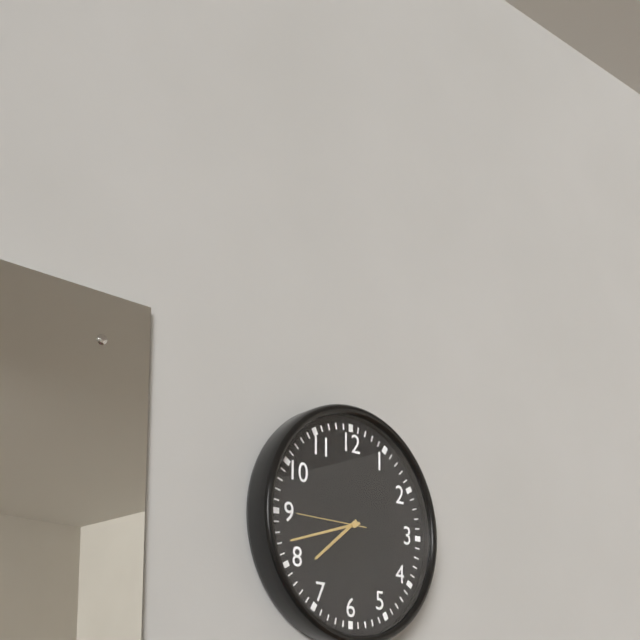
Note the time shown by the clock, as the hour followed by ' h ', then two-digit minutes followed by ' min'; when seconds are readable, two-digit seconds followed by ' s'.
7 h 42 min 45 s
